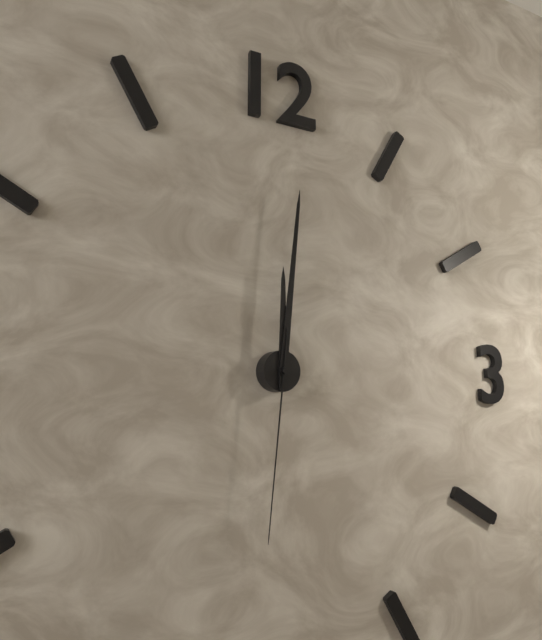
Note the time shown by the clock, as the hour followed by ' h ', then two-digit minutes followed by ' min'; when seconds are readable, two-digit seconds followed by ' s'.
12 h 01 min 31 s
